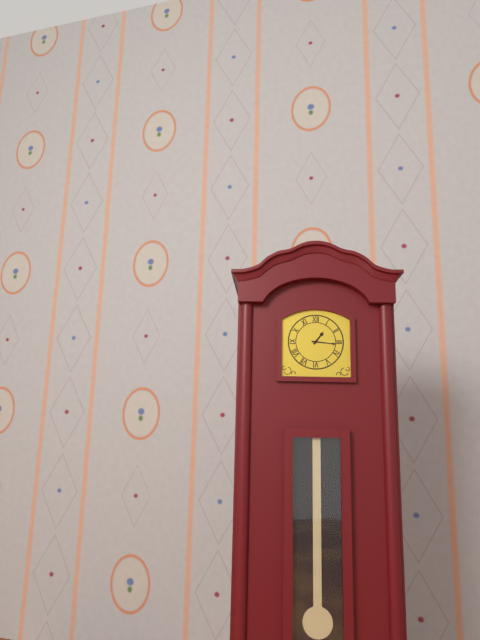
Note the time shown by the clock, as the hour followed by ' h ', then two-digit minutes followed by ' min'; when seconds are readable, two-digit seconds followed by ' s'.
1 h 16 min
